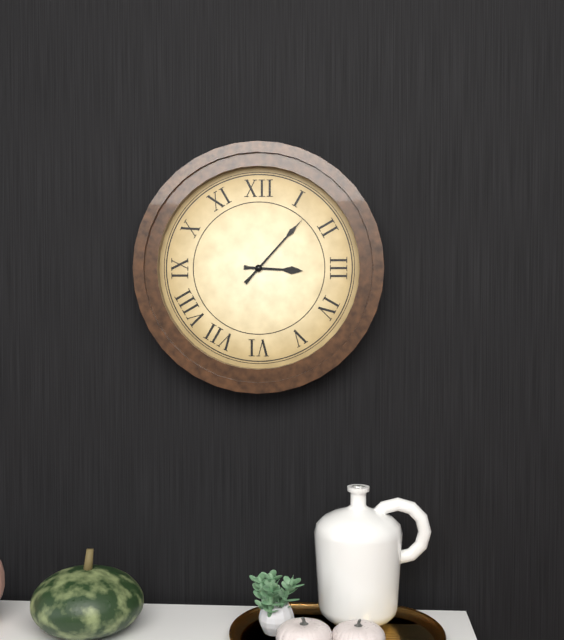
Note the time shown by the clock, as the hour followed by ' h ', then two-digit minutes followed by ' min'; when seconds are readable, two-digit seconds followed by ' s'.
3 h 07 min
